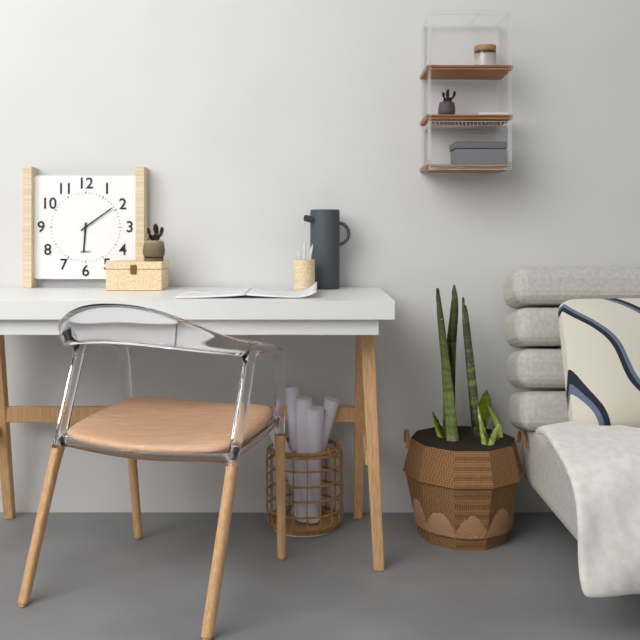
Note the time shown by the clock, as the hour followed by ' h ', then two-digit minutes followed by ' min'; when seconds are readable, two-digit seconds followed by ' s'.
6 h 09 min
